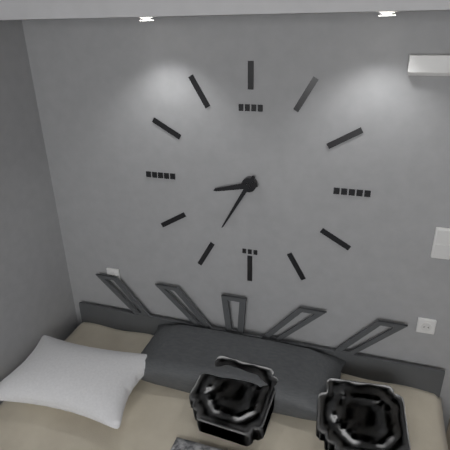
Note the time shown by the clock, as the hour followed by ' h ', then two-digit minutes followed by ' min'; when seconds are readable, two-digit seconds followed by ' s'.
8 h 35 min
